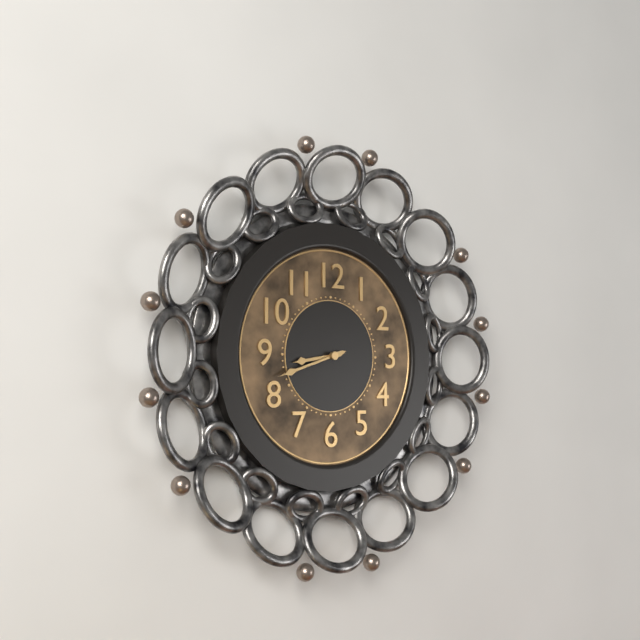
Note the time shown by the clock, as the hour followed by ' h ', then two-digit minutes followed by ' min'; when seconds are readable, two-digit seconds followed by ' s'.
8 h 42 min
